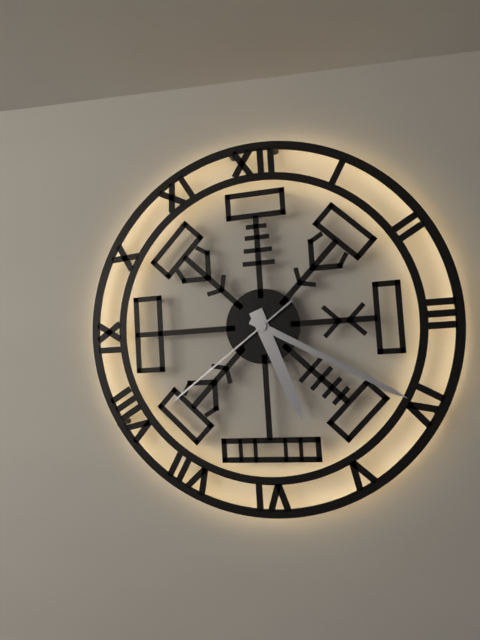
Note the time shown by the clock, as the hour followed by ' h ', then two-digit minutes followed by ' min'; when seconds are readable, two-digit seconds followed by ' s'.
5 h 20 min 39 s
